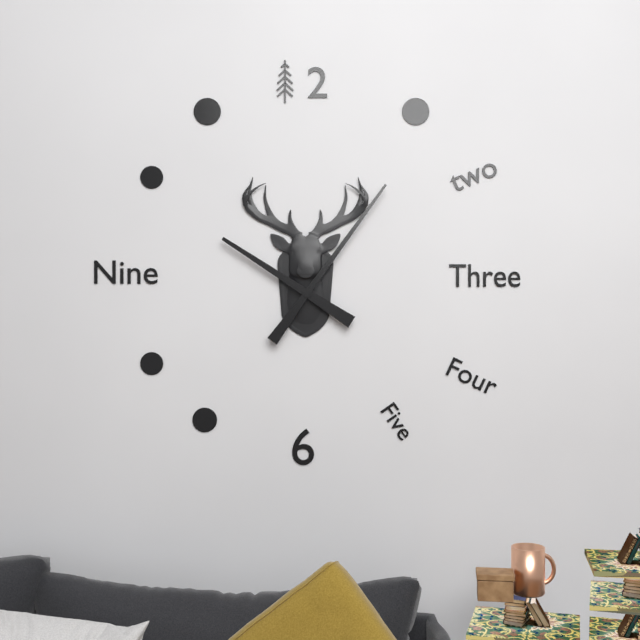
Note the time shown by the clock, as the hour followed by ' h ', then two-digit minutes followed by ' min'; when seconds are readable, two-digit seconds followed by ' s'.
10 h 06 min
